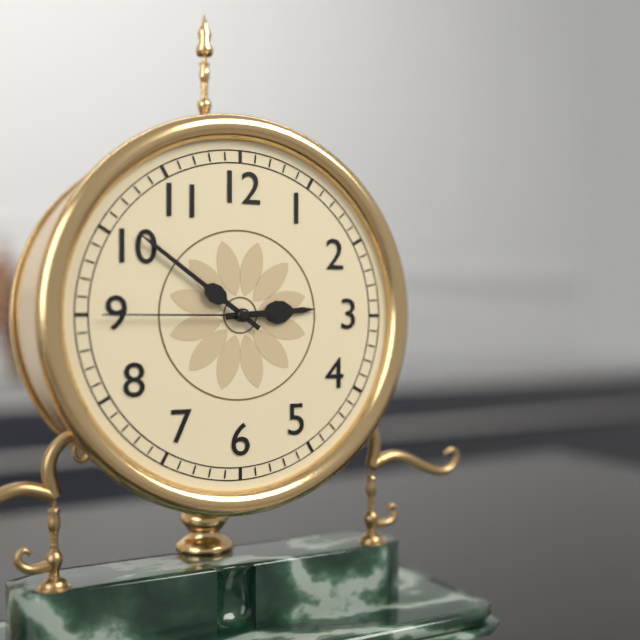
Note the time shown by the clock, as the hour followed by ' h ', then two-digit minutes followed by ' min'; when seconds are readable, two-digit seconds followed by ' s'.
2 h 51 min 45 s
